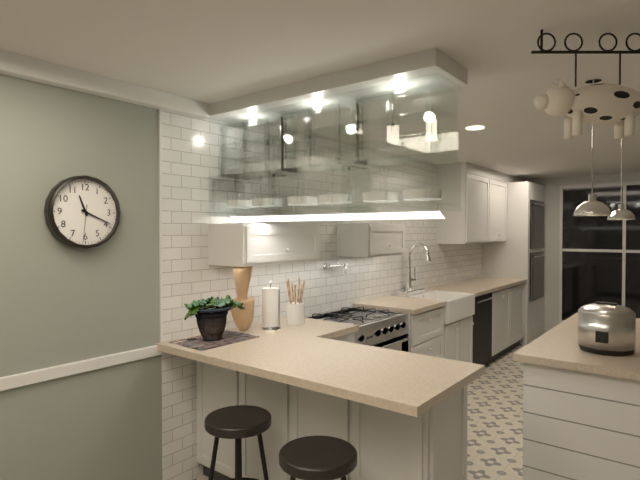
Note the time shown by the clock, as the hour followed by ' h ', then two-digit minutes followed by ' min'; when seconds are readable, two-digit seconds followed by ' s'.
11 h 19 min
